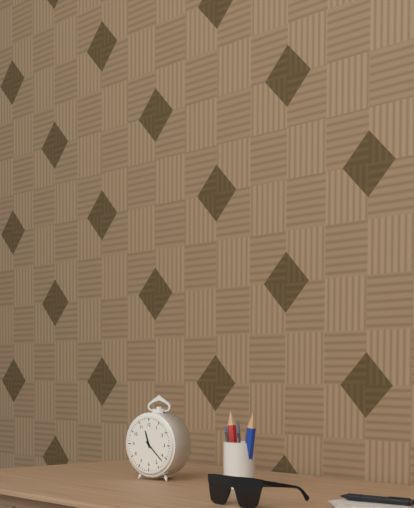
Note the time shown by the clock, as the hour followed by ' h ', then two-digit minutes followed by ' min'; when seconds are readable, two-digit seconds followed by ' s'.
11 h 22 min
